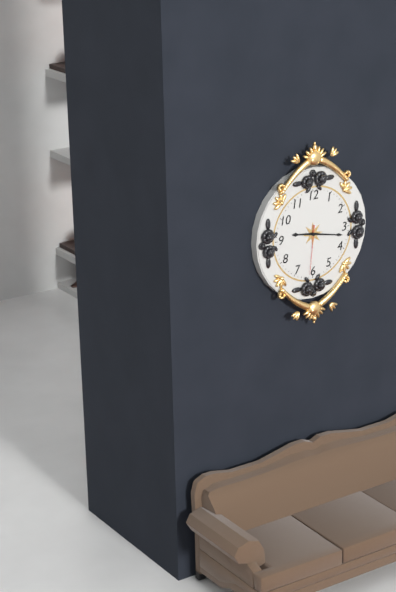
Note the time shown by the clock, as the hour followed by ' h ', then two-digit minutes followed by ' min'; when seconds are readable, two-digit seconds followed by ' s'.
9 h 17 min 31 s
